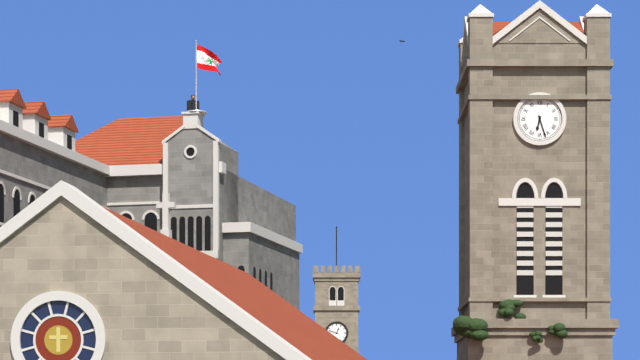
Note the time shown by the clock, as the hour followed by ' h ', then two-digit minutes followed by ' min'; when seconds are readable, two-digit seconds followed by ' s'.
6 h 27 min
